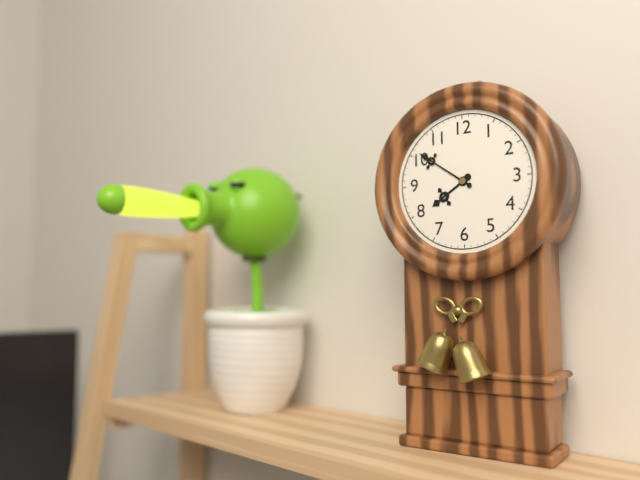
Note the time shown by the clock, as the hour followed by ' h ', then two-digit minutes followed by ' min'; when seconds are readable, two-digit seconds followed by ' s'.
7 h 51 min
